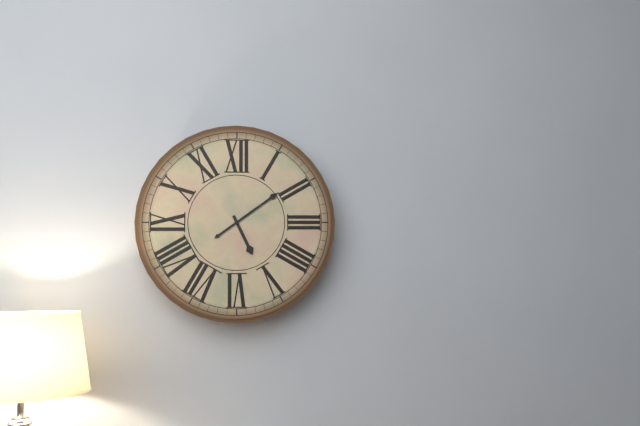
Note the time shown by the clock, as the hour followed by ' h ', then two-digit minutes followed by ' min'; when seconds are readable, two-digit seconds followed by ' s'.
5 h 09 min
